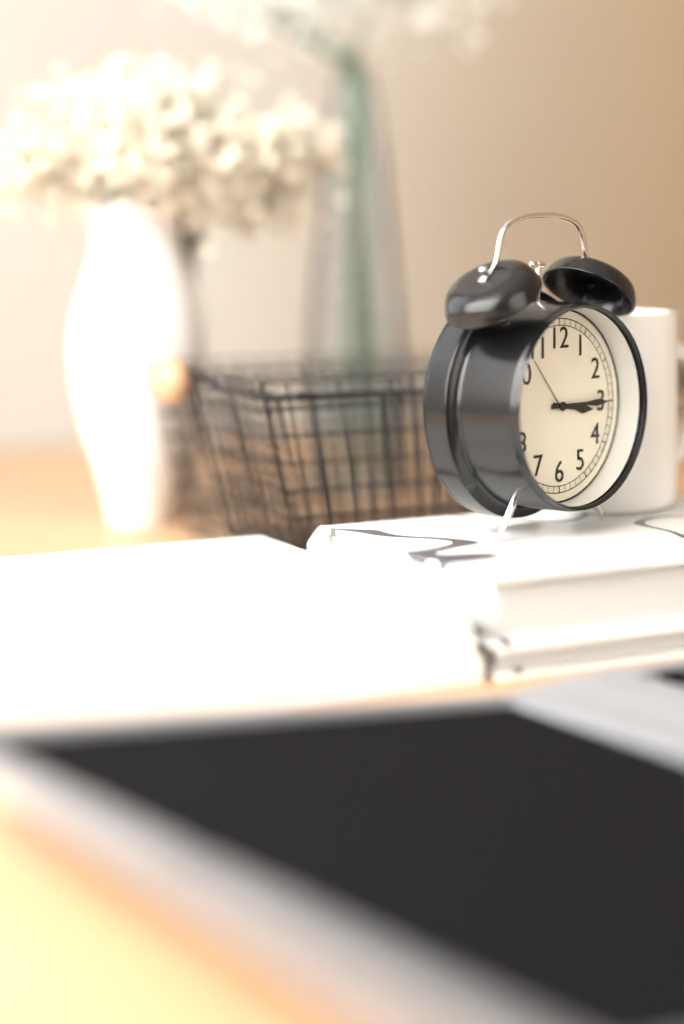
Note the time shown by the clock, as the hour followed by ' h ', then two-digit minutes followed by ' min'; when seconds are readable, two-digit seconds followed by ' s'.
3 h 15 min
